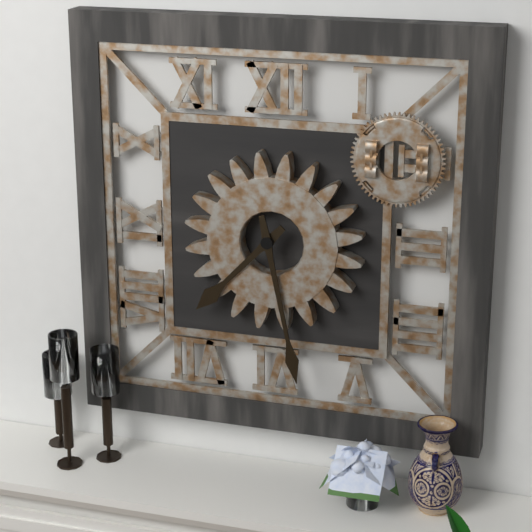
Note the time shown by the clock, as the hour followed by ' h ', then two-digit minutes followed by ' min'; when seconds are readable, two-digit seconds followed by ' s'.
7 h 28 min
